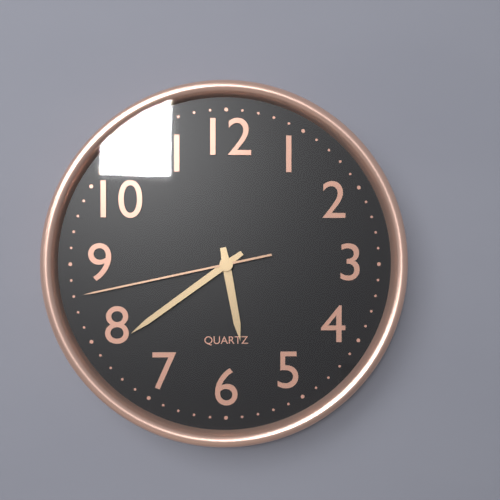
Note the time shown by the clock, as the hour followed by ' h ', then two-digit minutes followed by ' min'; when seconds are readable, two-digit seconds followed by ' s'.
5 h 39 min 43 s
